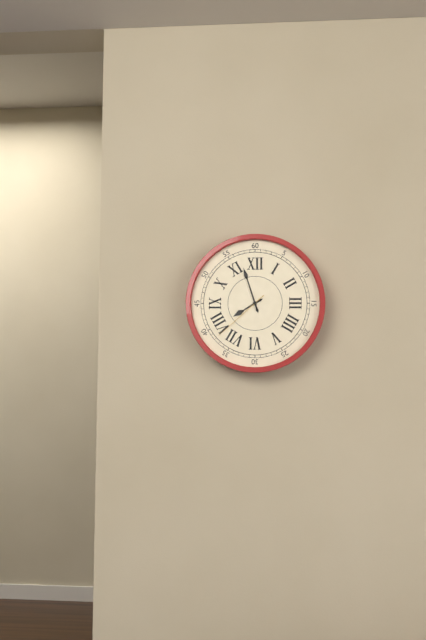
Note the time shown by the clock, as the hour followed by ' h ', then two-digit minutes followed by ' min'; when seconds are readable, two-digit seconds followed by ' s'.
7 h 57 min 38 s
